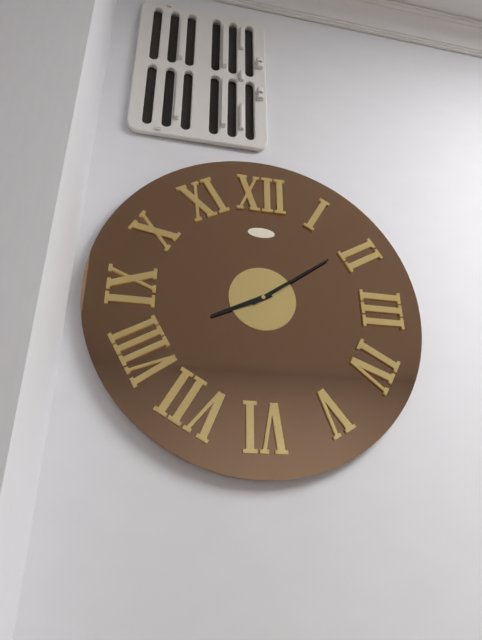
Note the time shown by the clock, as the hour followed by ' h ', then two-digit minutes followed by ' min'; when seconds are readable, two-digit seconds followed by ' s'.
8 h 09 min
